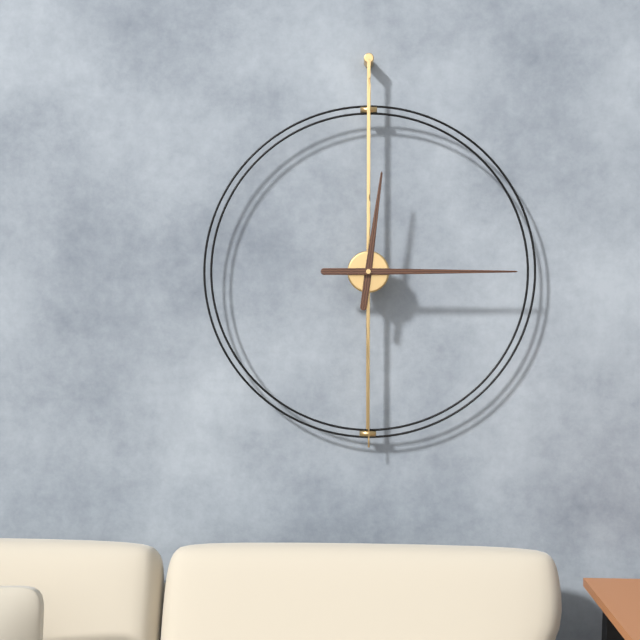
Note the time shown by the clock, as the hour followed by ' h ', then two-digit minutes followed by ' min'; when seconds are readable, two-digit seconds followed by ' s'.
12 h 15 min
